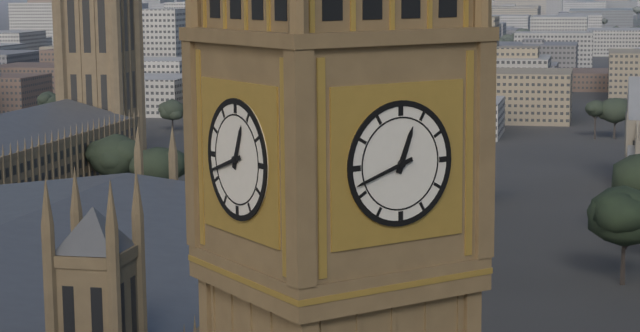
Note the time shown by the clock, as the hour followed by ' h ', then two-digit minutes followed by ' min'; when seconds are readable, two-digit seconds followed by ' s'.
12 h 42 min
